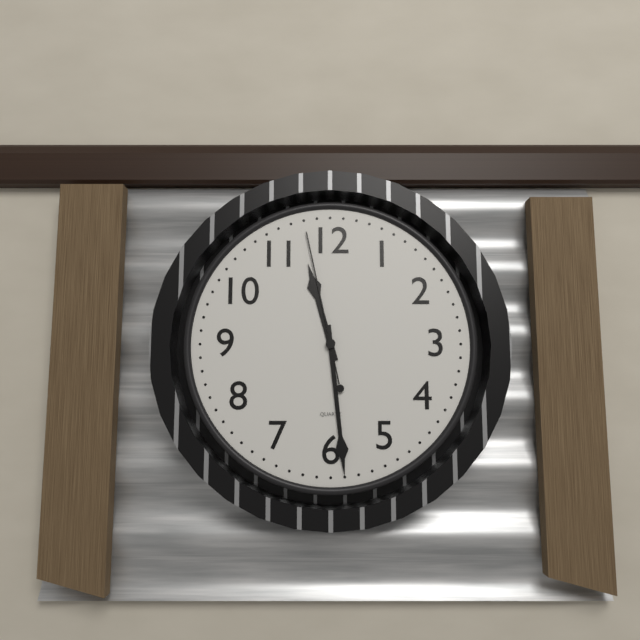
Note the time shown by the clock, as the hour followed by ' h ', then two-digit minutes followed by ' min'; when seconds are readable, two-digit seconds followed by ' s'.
11 h 29 min 58 s
